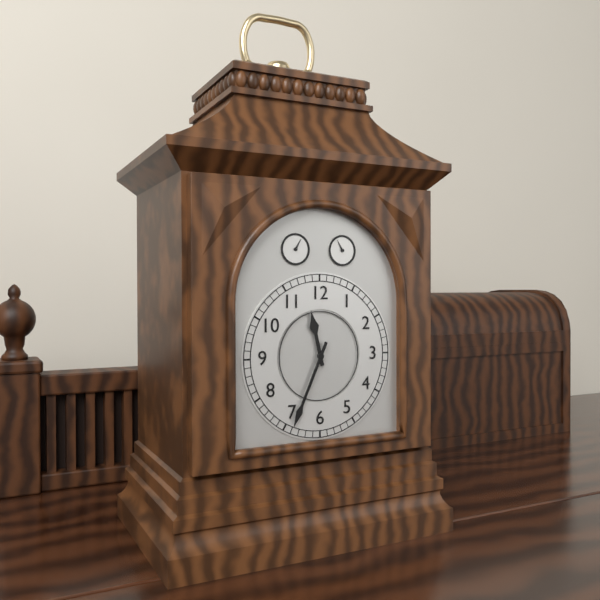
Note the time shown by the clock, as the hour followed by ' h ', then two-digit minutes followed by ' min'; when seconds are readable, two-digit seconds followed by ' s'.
11 h 34 min
